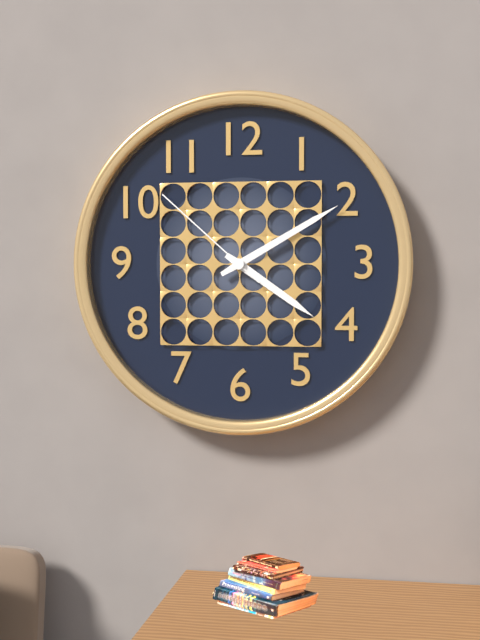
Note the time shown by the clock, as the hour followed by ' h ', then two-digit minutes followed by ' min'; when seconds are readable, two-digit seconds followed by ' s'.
4 h 10 min 52 s
